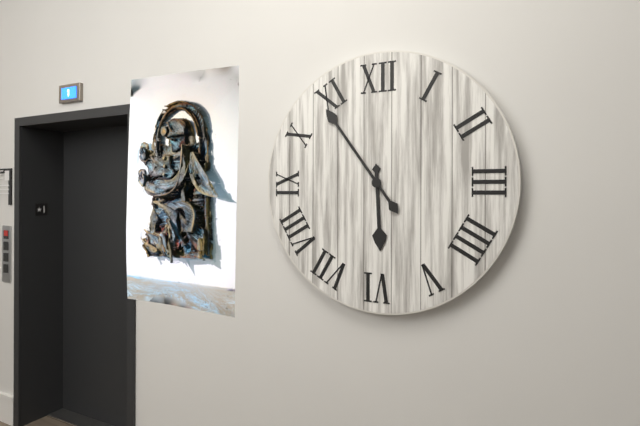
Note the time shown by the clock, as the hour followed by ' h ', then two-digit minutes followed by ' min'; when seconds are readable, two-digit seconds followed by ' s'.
5 h 54 min
